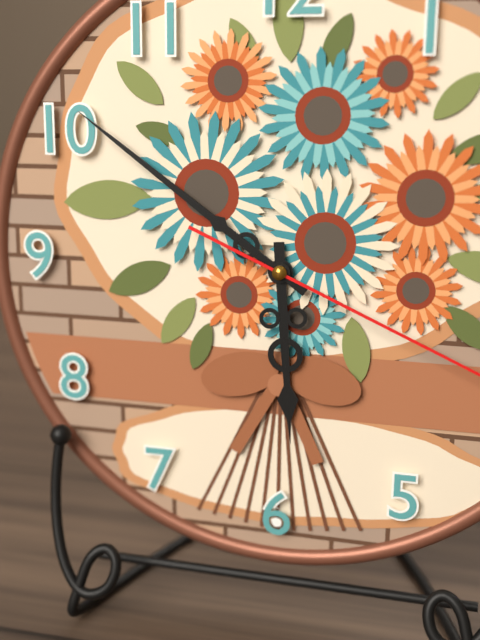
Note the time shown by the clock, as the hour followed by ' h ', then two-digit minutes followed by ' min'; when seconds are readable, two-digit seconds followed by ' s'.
5 h 51 min
